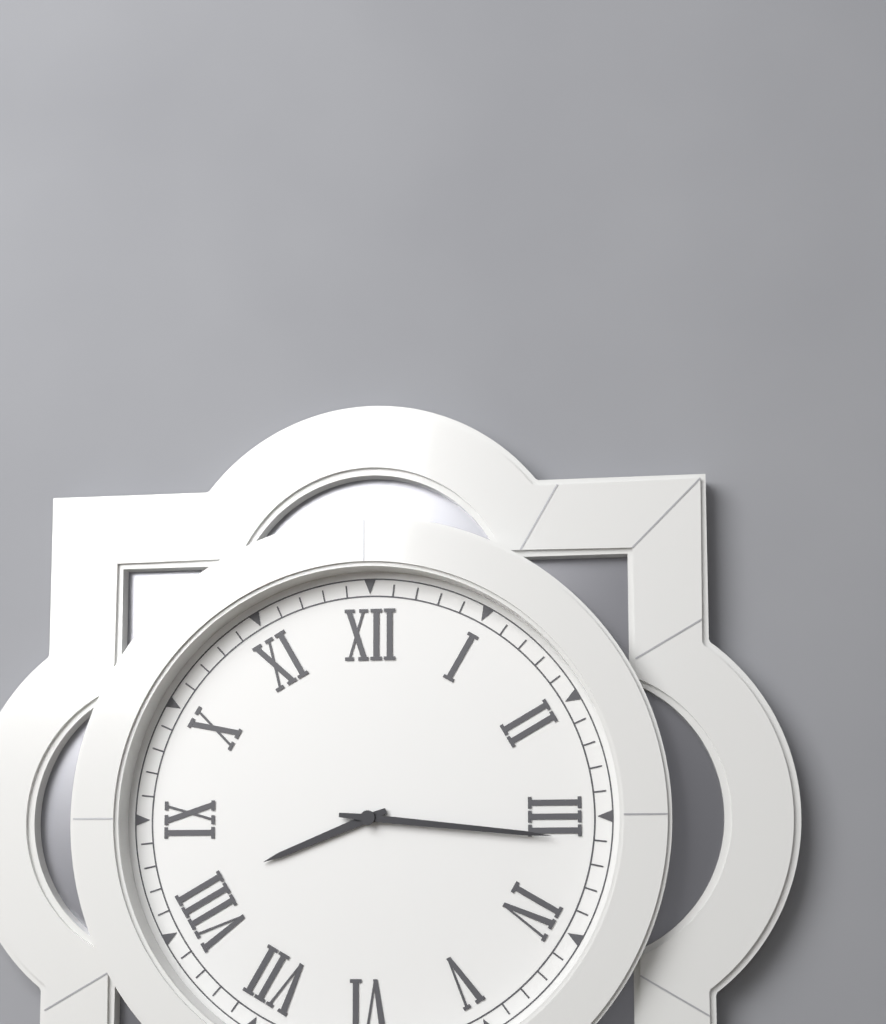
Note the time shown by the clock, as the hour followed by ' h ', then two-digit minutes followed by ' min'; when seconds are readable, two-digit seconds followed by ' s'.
8 h 16 min
